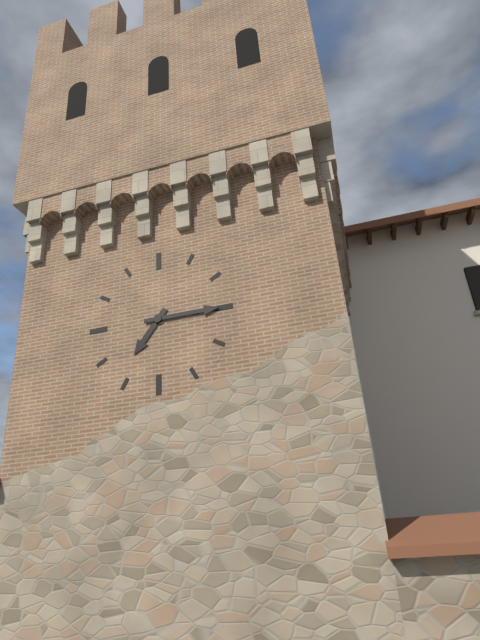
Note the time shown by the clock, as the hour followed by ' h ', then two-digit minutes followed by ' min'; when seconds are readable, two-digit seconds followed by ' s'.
7 h 15 min
